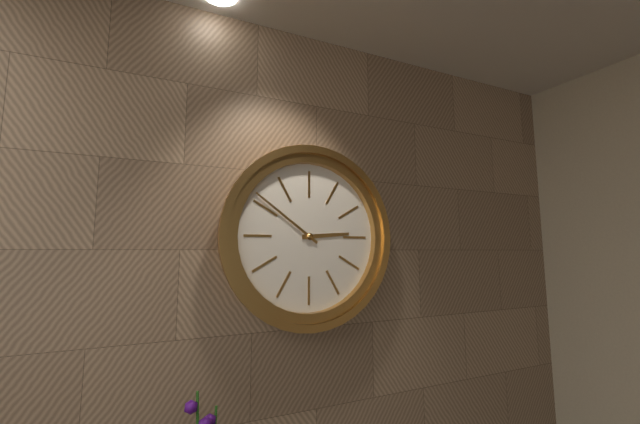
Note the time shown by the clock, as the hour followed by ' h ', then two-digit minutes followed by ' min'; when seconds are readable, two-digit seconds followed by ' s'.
2 h 51 min
